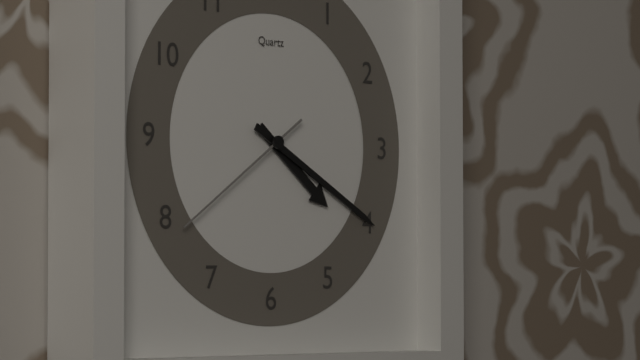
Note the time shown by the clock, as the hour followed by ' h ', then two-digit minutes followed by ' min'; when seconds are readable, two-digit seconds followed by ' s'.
4 h 20 min 39 s
